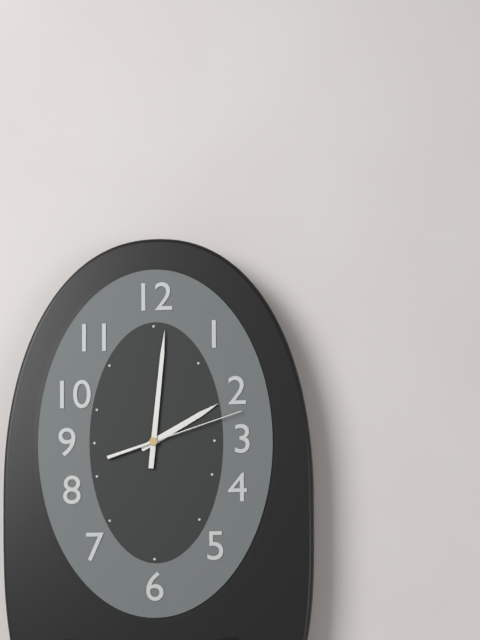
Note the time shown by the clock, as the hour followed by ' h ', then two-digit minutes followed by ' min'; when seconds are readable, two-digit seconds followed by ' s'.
2 h 01 min 12 s
